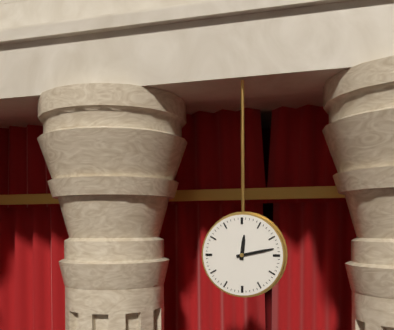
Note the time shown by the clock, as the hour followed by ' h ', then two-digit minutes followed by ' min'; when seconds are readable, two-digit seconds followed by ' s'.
12 h 13 min
